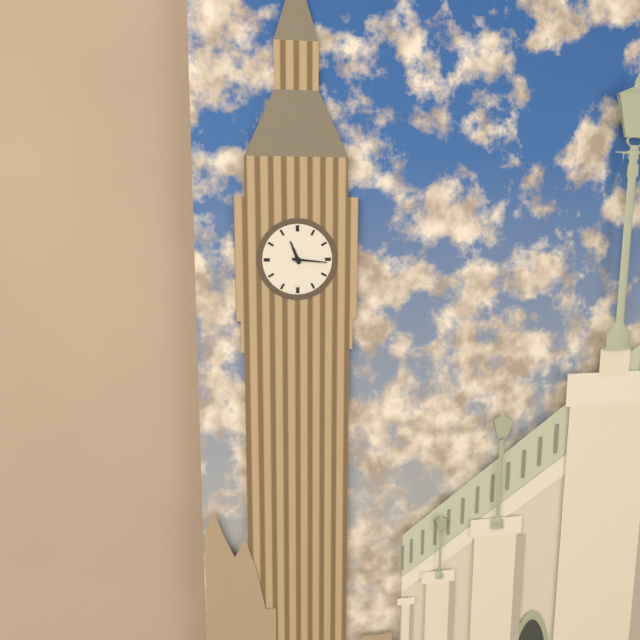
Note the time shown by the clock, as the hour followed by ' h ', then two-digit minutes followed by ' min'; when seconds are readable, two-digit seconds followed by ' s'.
11 h 16 min
